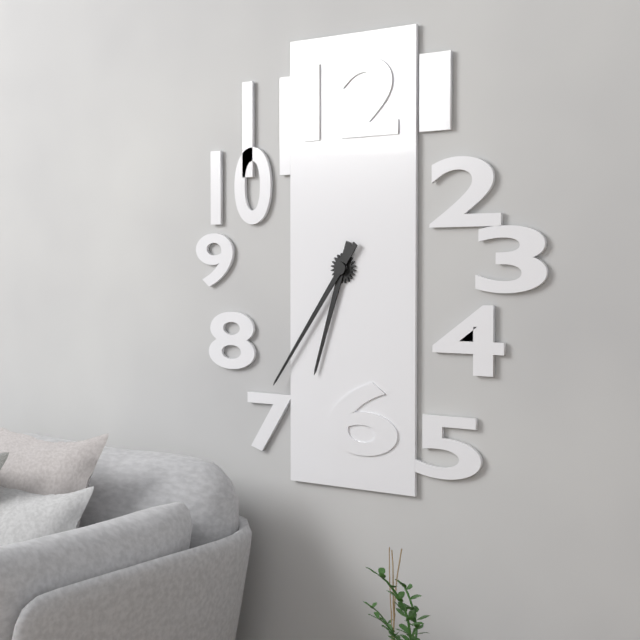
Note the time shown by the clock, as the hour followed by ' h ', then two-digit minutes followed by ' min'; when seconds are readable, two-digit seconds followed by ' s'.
6 h 36 min
